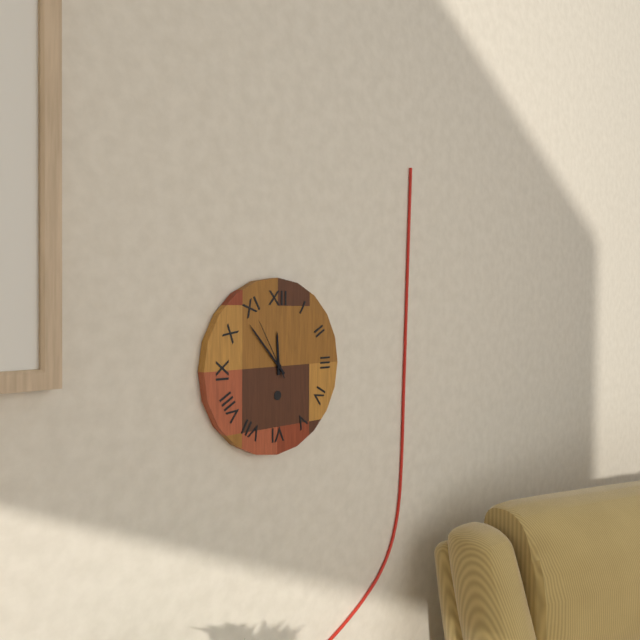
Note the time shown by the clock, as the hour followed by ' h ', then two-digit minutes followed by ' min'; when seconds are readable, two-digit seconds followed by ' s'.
11 h 53 min 55 s
